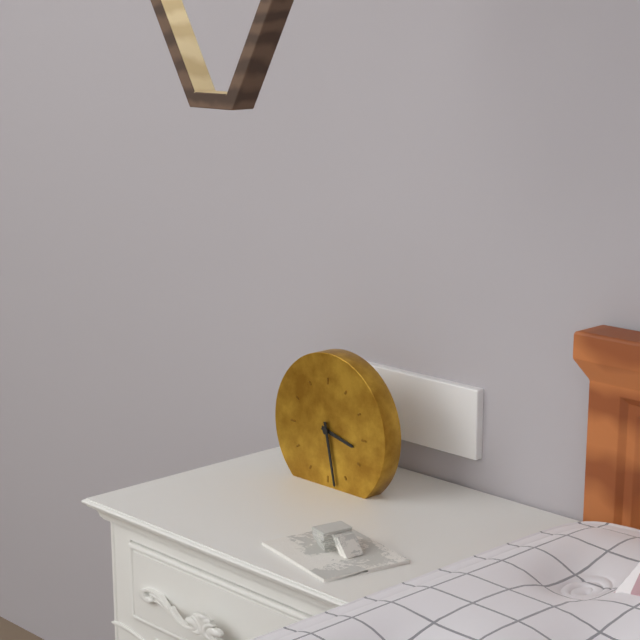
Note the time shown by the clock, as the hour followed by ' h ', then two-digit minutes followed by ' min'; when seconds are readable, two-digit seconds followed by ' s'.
3 h 28 min
